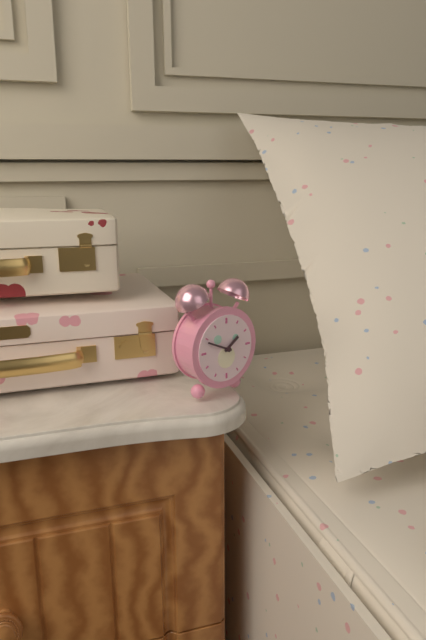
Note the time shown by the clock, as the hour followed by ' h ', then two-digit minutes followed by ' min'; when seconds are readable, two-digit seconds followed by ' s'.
1 h 49 min
